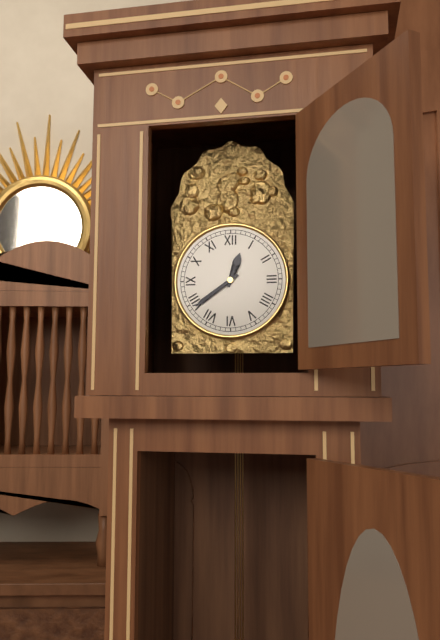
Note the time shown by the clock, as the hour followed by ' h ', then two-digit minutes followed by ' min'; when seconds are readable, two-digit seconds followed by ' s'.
12 h 39 min
